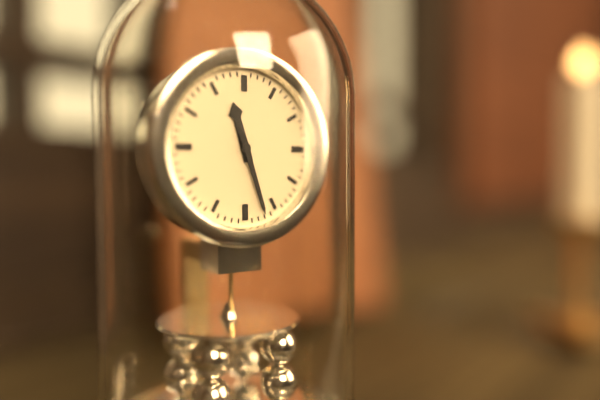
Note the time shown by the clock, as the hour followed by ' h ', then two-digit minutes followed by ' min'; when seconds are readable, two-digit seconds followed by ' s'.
11 h 27 min
